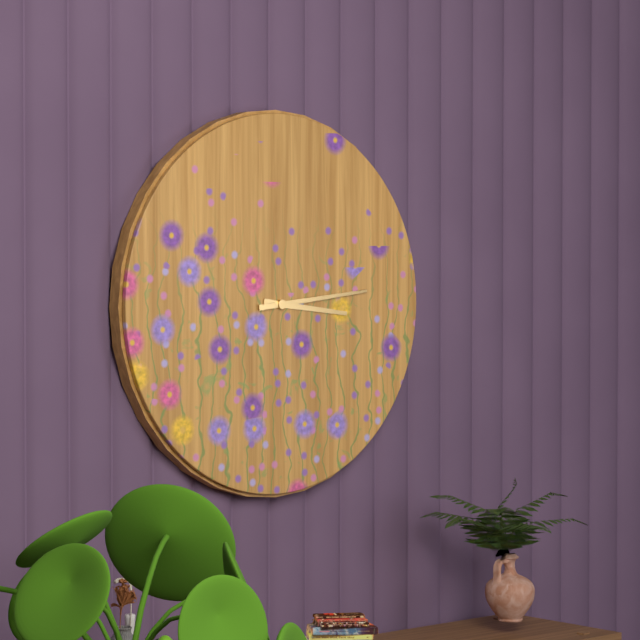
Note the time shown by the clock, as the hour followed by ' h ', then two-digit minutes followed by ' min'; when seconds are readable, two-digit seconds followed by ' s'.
3 h 14 min
